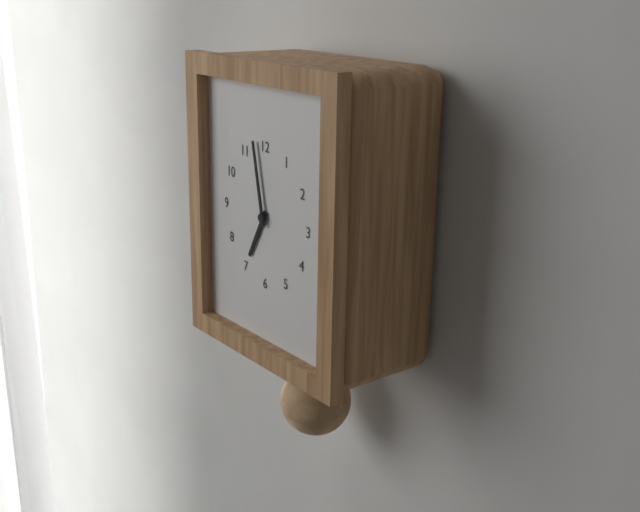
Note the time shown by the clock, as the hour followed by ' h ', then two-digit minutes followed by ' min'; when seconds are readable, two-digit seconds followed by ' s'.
6 h 58 min
